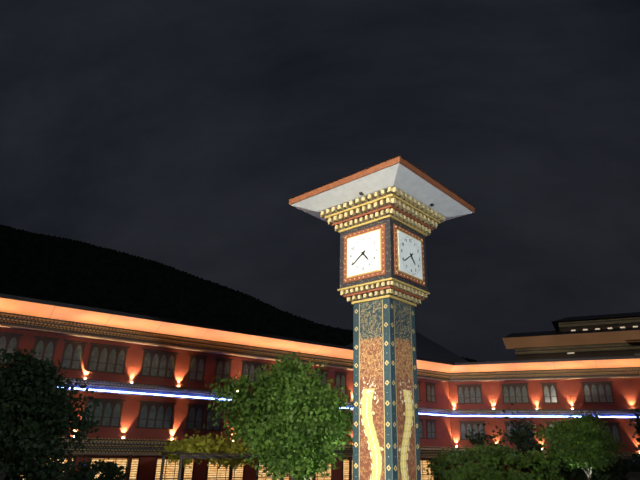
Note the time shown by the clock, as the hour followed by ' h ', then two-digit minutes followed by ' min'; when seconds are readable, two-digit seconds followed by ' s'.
4 h 39 min
